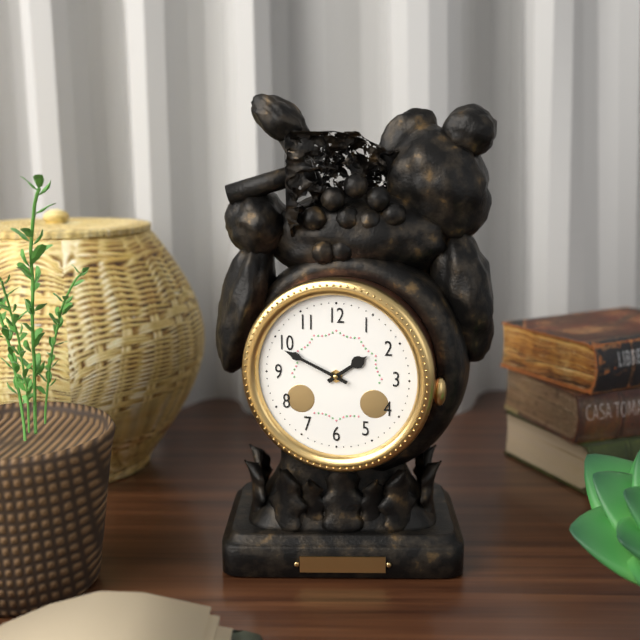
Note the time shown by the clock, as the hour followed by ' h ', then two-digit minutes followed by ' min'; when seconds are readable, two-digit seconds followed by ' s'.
1 h 49 min
